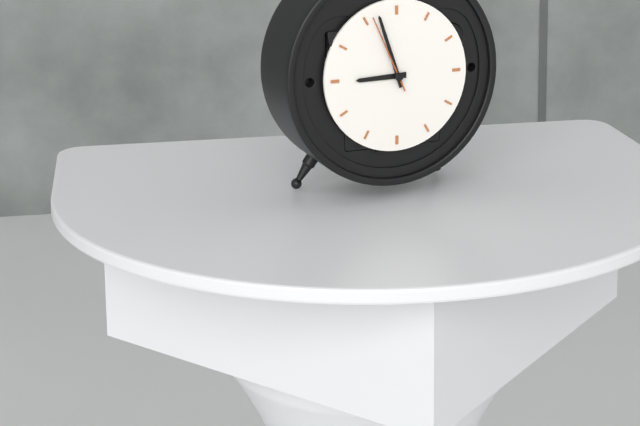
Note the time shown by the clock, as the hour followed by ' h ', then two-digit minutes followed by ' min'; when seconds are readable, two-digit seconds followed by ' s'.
8 h 57 min 56 s
